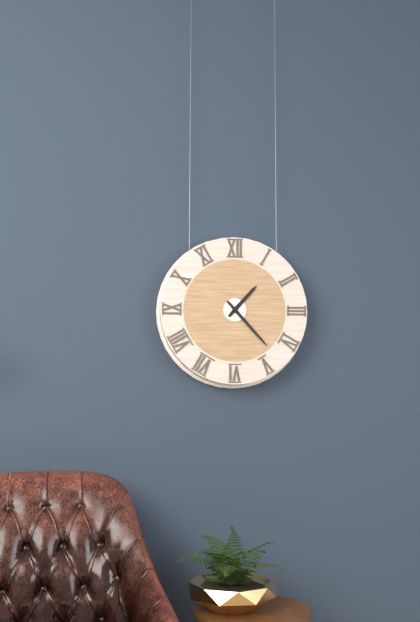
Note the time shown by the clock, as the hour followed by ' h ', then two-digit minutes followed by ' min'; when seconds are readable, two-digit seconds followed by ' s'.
1 h 23 min
